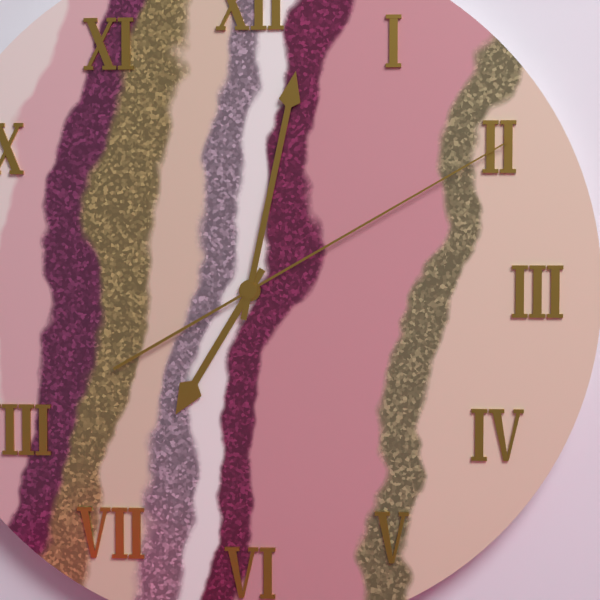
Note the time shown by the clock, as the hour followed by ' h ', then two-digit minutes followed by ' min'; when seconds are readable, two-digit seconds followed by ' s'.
7 h 02 min 10 s
